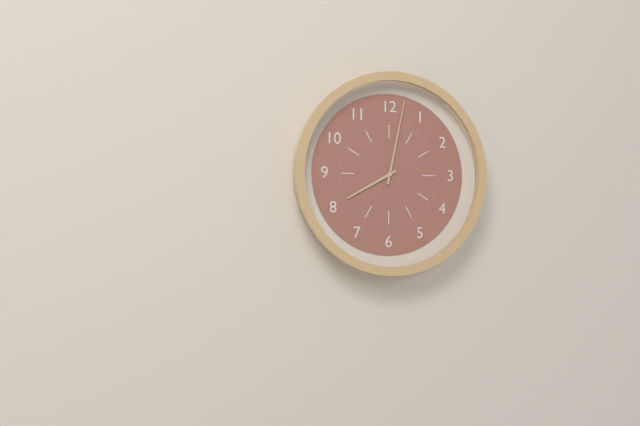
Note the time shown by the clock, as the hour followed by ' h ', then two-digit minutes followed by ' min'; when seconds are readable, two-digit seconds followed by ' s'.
8 h 02 min
